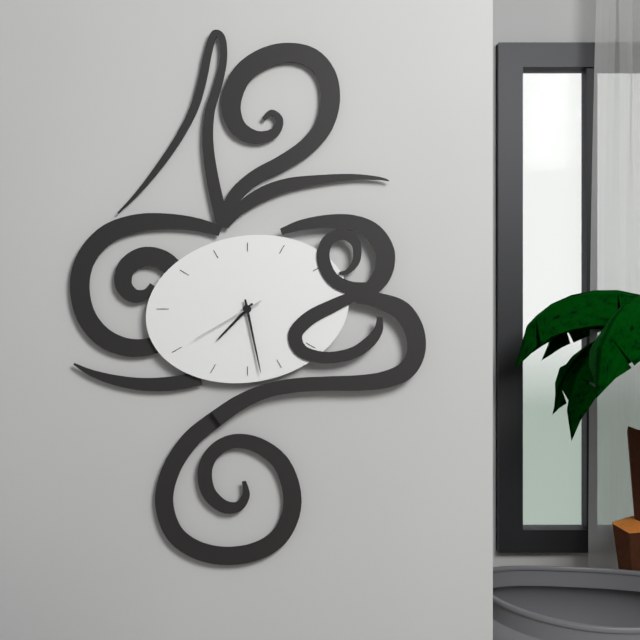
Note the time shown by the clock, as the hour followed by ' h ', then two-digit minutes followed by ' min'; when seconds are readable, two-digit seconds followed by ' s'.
7 h 28 min 40 s
